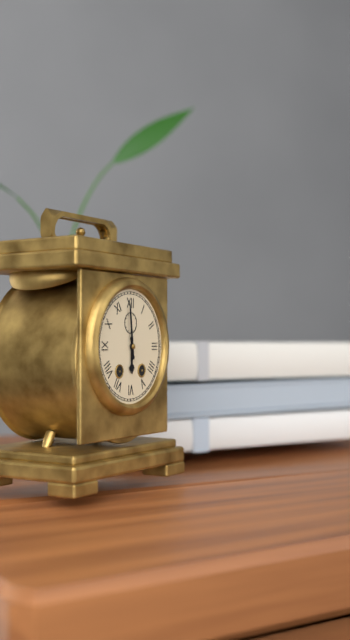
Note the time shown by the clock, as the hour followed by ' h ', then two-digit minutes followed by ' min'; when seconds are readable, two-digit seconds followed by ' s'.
5 h 59 min
